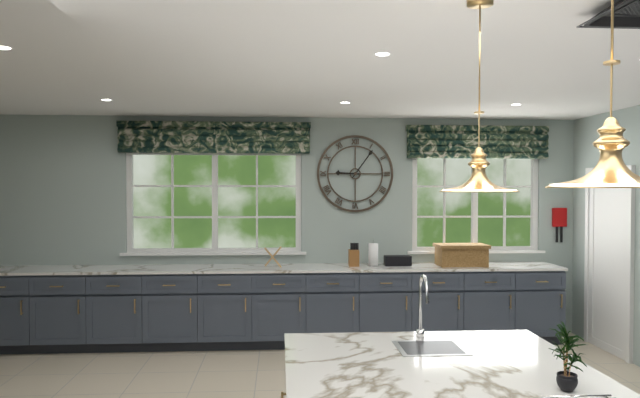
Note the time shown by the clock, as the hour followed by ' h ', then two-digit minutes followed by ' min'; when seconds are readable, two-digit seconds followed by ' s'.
9 h 06 min
